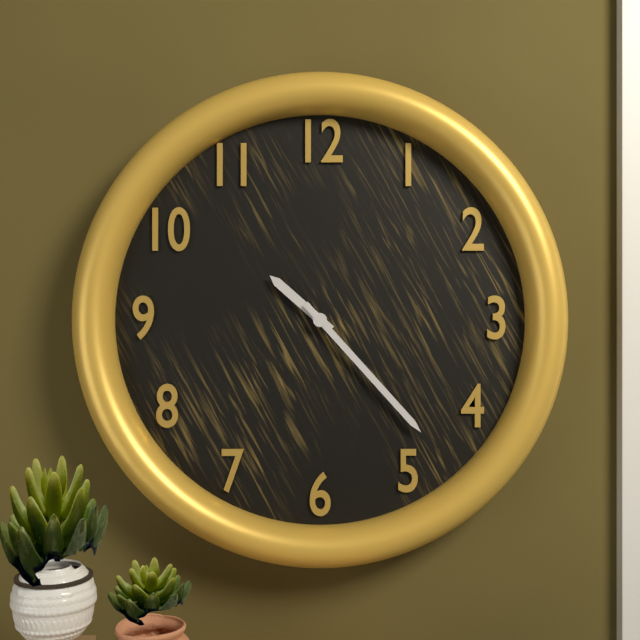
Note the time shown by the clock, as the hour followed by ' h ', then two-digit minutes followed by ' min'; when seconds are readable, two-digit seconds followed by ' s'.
10 h 23 min
